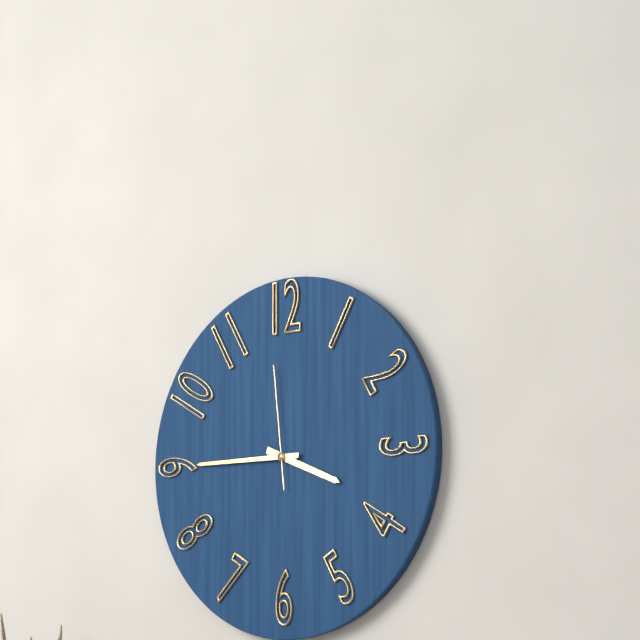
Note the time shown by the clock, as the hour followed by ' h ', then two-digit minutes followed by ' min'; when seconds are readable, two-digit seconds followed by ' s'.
3 h 45 min 59 s
